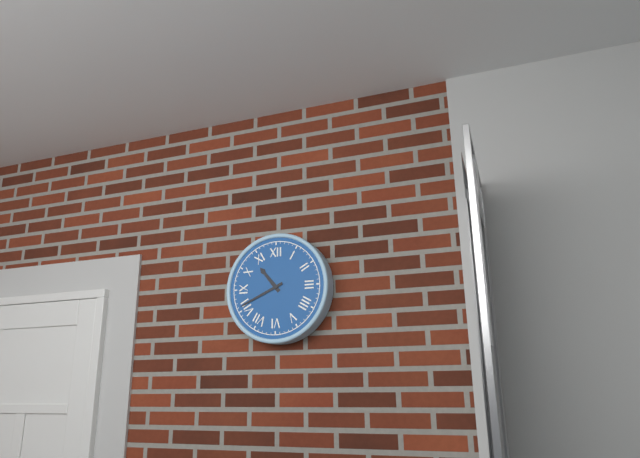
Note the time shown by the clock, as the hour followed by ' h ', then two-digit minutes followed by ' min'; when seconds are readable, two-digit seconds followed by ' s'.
10 h 41 min
